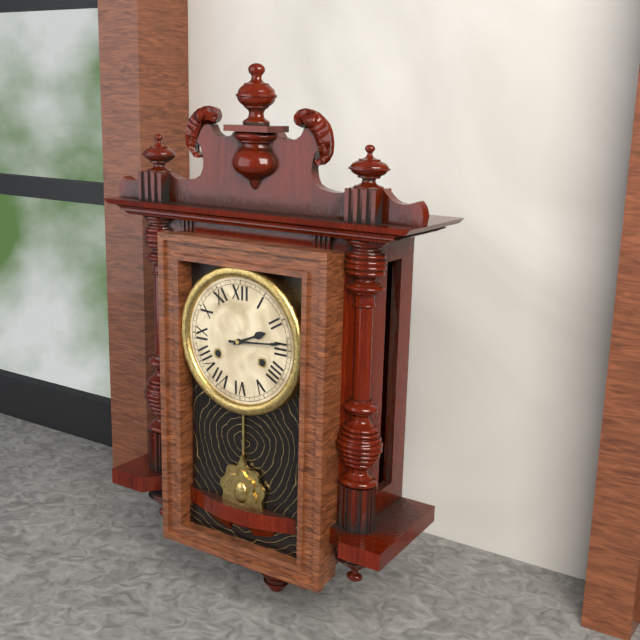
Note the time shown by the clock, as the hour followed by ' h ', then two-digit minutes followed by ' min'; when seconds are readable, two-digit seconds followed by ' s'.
2 h 14 min
